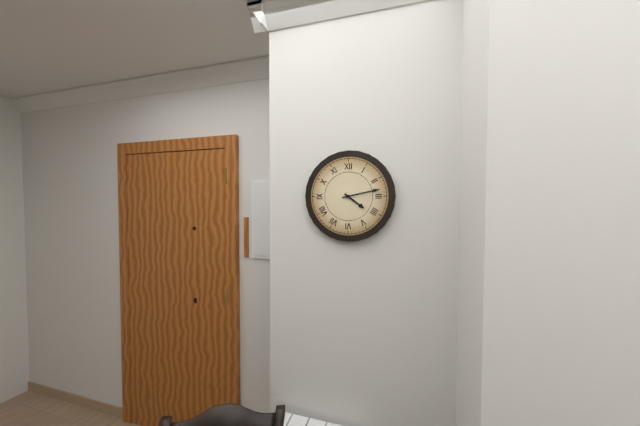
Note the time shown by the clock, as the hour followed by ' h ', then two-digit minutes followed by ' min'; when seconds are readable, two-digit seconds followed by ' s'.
4 h 13 min
